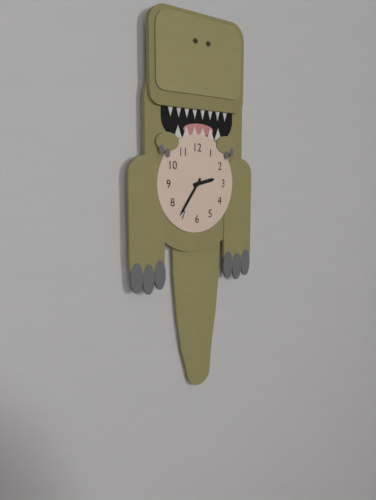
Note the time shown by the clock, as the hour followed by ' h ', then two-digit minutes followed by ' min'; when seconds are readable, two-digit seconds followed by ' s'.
2 h 36 min
